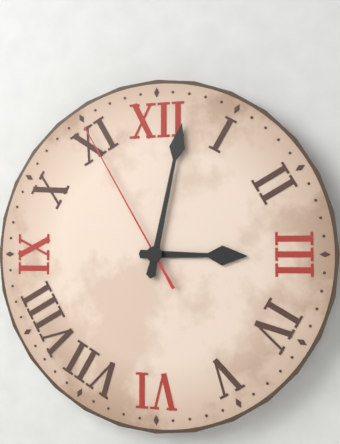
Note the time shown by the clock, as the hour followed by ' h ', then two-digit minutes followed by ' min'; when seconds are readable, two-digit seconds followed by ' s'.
3 h 02 min 55 s
